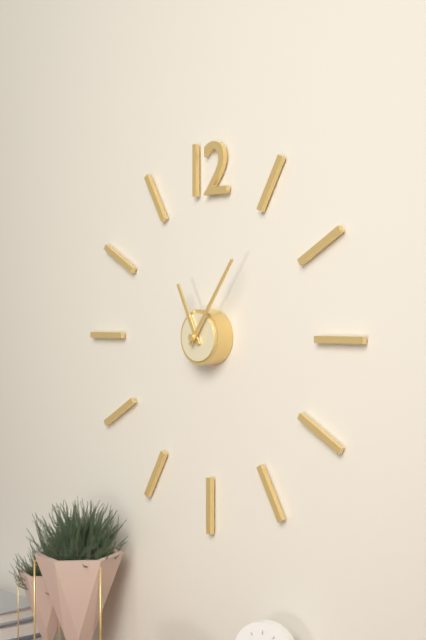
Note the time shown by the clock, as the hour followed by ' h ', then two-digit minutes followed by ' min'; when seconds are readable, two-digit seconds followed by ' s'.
11 h 06 min
